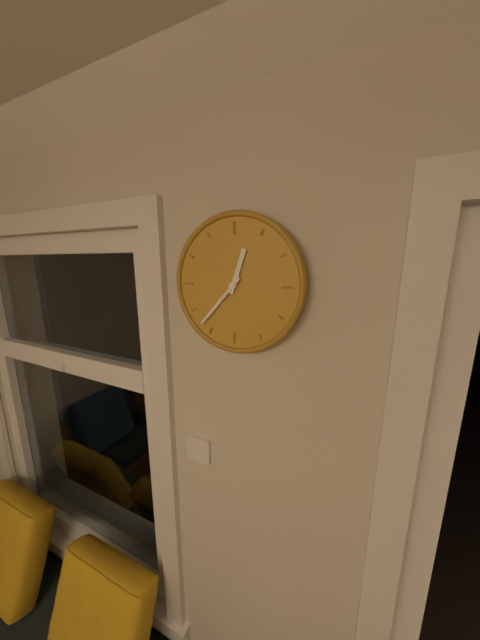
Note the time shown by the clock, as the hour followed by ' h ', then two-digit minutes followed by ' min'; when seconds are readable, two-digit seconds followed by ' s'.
12 h 37 min
